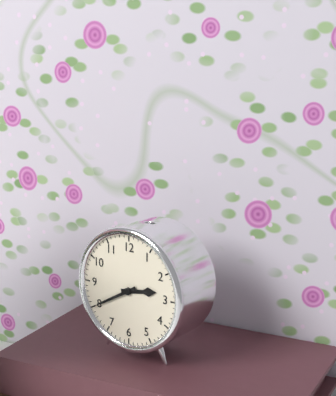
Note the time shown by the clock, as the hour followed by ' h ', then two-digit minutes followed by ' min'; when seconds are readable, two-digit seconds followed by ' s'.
2 h 40 min
